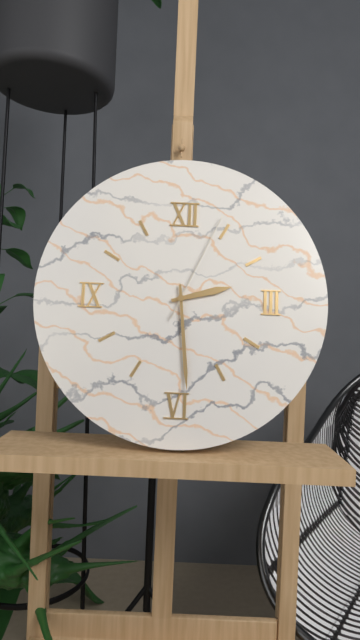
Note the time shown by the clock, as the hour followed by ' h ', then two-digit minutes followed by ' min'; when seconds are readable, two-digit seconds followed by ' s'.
2 h 29 min 04 s
